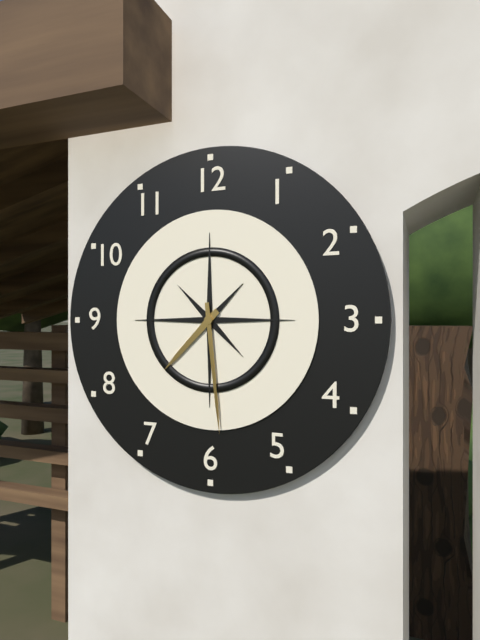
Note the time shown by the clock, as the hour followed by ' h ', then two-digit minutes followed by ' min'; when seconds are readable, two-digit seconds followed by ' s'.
7 h 29 min
